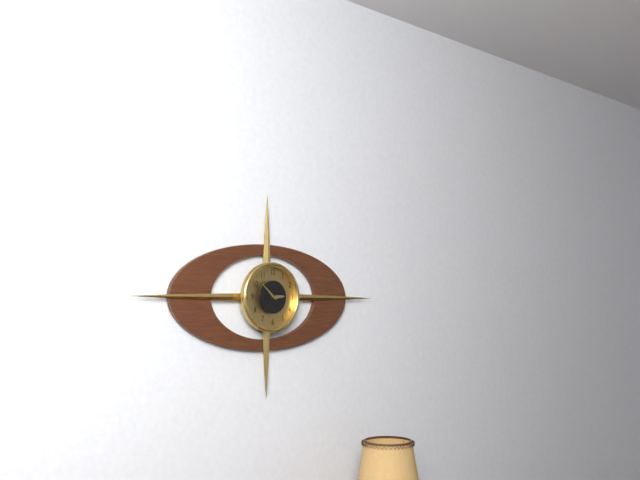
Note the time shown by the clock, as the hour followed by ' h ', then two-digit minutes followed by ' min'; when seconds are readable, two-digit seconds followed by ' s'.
2 h 52 min
